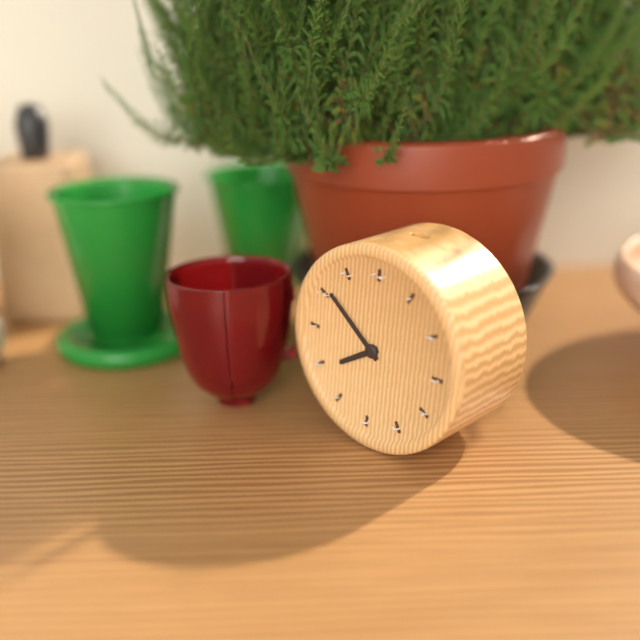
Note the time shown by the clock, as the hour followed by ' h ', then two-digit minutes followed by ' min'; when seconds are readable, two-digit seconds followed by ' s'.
7 h 51 min
